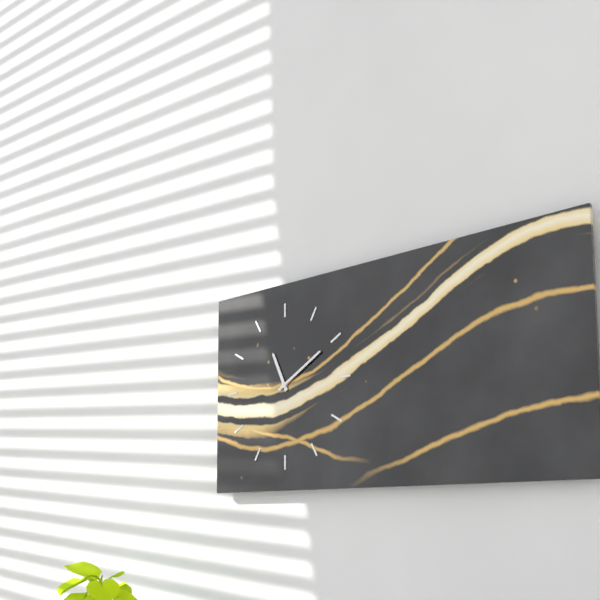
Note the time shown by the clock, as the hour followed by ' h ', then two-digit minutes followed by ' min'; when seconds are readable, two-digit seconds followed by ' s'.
11 h 10 min
